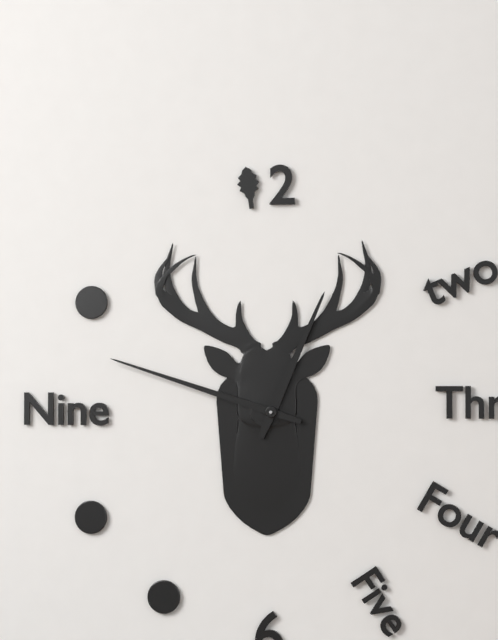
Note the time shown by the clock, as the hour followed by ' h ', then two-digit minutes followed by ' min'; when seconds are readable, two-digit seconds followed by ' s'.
12 h 48 min
